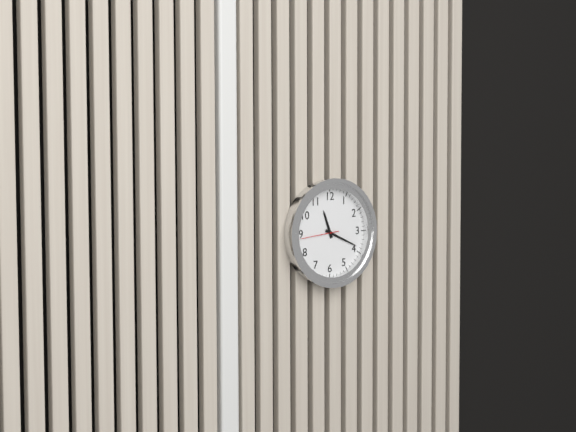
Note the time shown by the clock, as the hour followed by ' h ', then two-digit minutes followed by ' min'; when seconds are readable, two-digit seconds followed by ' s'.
11 h 19 min
